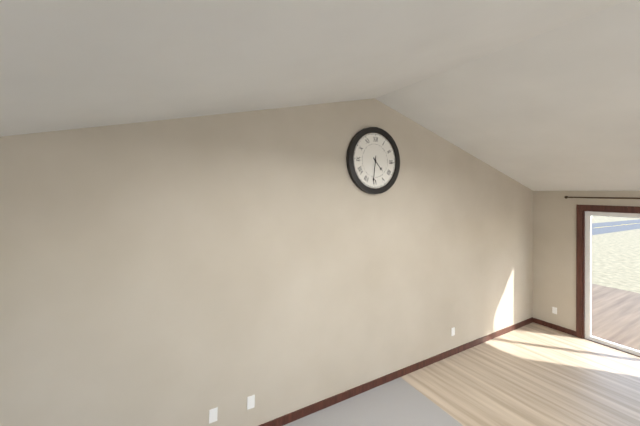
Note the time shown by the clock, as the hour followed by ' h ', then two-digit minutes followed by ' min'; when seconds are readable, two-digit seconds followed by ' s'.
4 h 31 min
